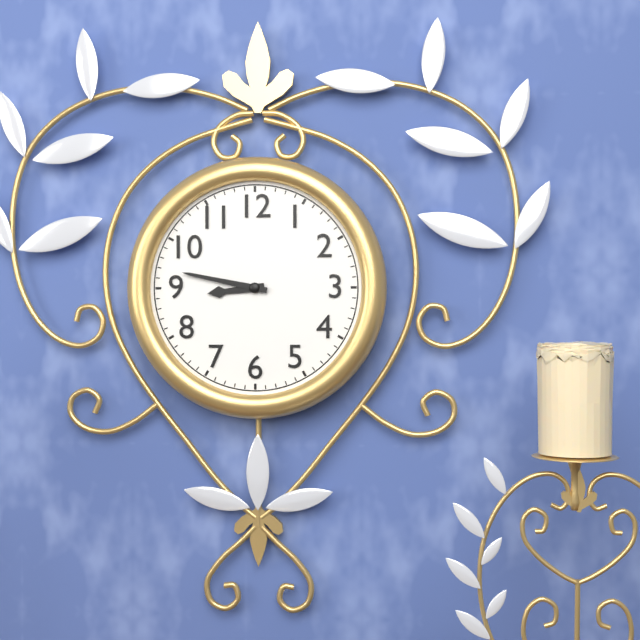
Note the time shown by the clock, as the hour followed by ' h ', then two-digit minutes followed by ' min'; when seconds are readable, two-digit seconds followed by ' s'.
8 h 47 min
